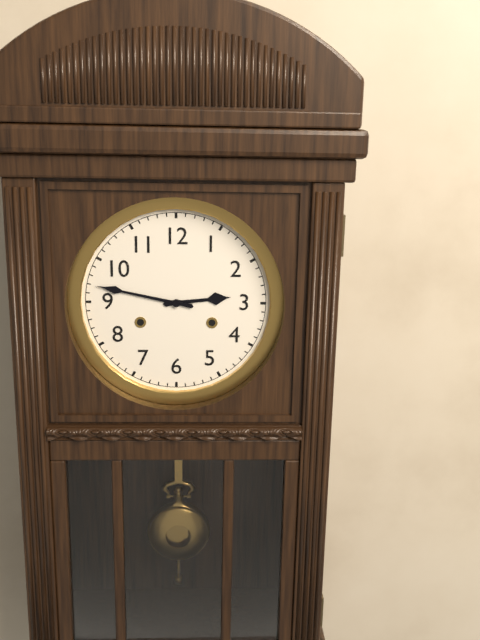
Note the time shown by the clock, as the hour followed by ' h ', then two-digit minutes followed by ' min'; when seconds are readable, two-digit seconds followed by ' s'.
2 h 47 min
